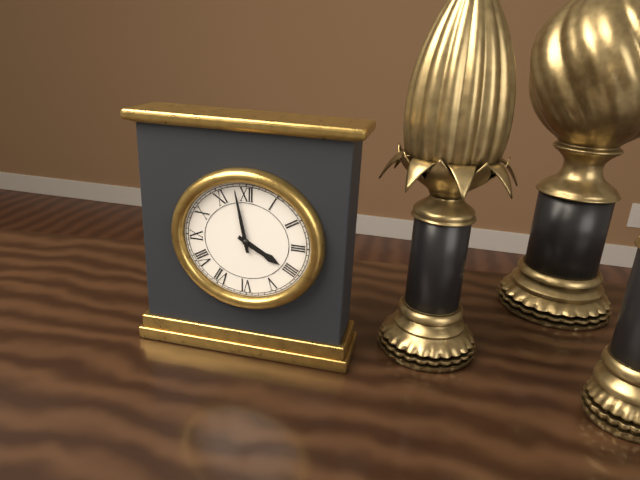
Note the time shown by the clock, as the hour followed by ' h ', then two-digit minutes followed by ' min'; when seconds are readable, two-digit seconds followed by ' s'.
3 h 58 min
